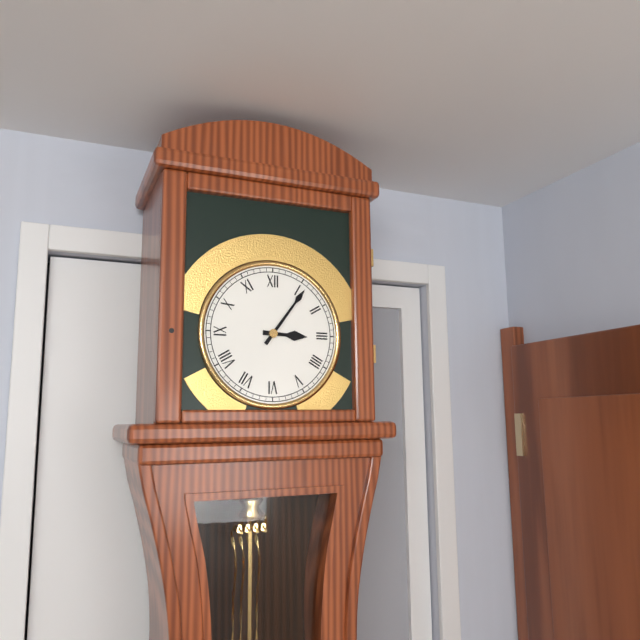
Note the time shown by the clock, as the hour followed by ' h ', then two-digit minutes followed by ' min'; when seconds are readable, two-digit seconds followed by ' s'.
3 h 06 min
